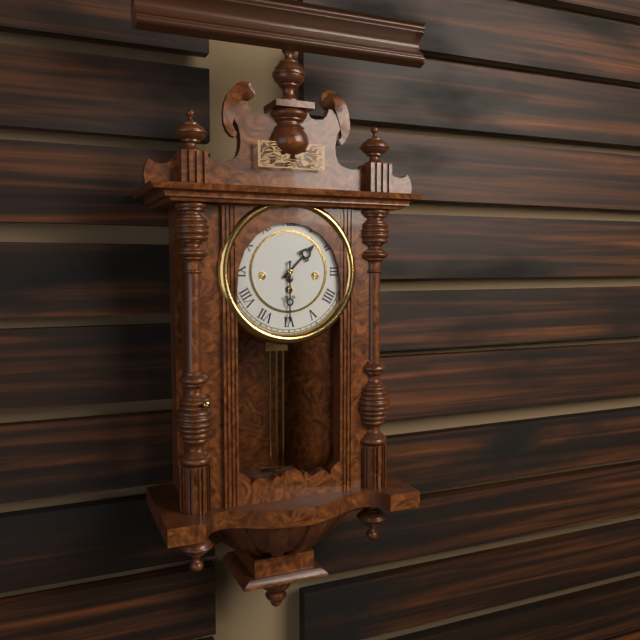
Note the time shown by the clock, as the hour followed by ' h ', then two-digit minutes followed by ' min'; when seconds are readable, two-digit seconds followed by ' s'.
1 h 30 min
